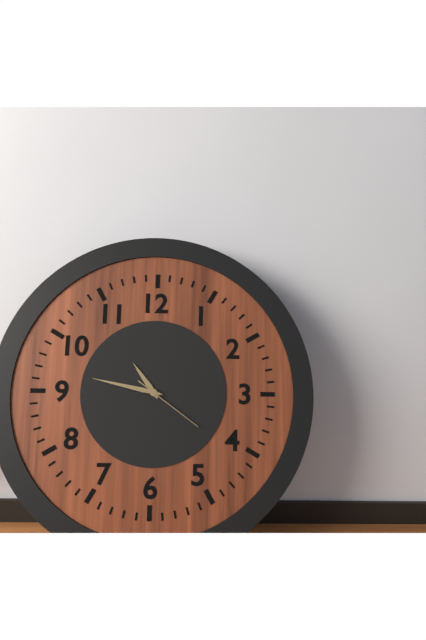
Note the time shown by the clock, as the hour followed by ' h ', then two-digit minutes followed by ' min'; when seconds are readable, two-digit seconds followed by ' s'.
10 h 47 min 21 s
